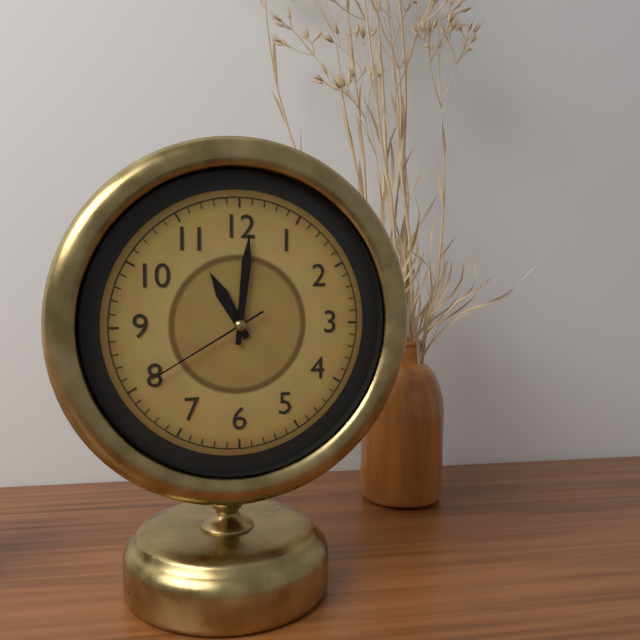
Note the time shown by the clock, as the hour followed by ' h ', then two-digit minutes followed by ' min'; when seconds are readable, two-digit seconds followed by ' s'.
11 h 01 min 40 s
